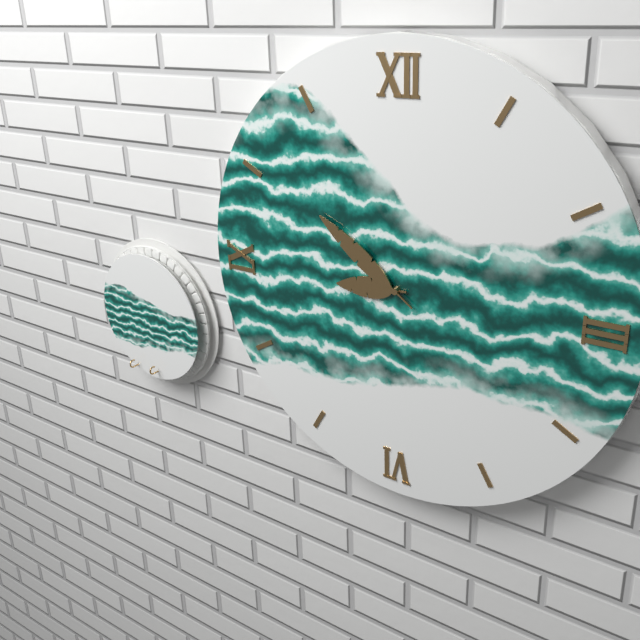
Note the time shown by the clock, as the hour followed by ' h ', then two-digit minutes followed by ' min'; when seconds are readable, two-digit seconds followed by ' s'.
8 h 51 min
